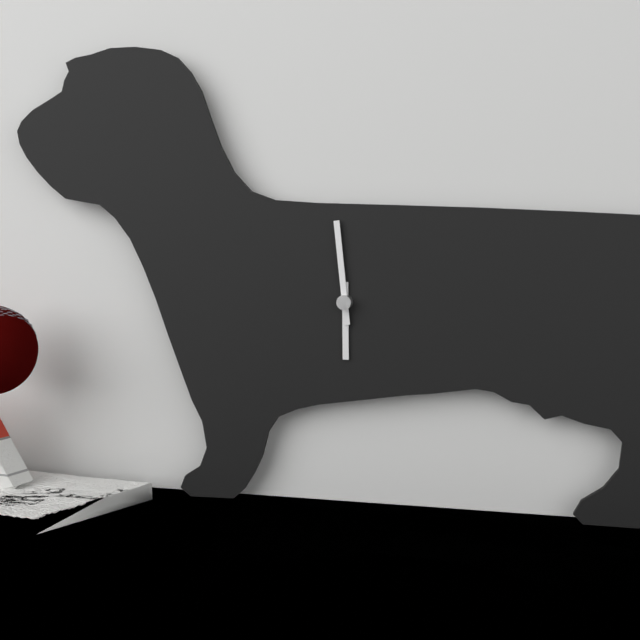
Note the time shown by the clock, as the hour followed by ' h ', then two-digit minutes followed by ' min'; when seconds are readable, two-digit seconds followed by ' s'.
5 h 59 min
